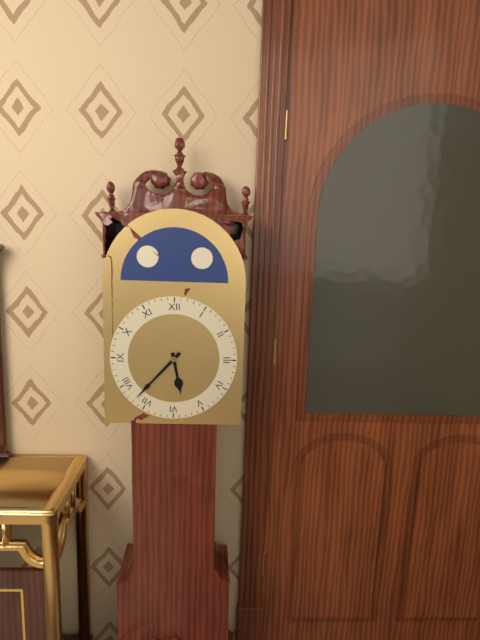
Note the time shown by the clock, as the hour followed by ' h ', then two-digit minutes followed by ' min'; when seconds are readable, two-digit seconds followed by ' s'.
5 h 37 min
